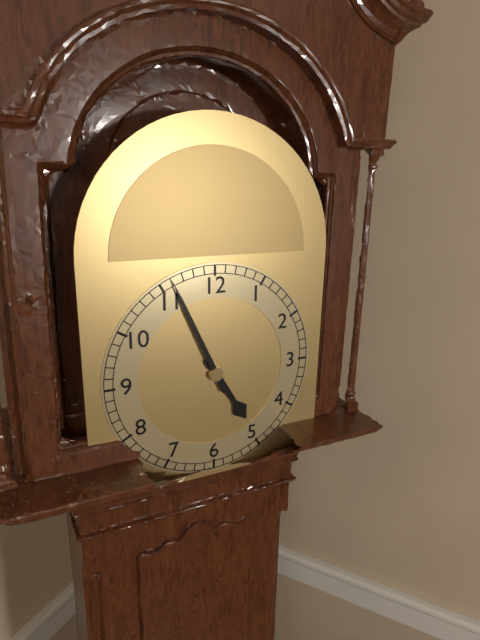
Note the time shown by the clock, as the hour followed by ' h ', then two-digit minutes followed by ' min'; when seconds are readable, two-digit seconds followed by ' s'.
4 h 56 min
